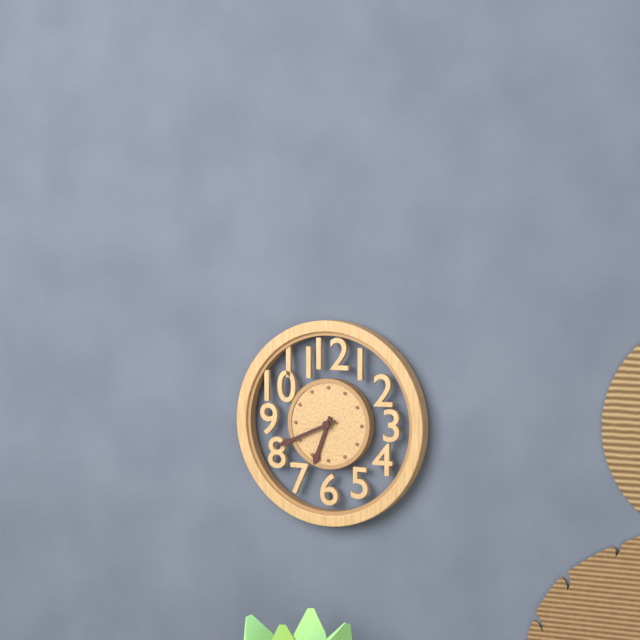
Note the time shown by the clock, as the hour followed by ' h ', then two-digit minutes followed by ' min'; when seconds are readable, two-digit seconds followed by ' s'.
6 h 41 min
